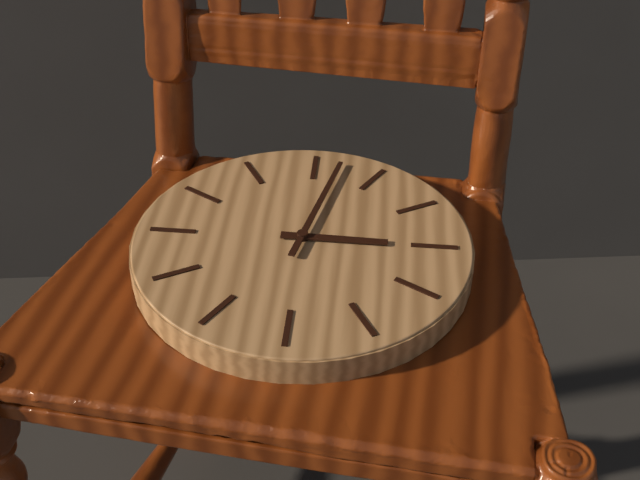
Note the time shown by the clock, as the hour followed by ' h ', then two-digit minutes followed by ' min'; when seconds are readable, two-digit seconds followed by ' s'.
3 h 02 min
